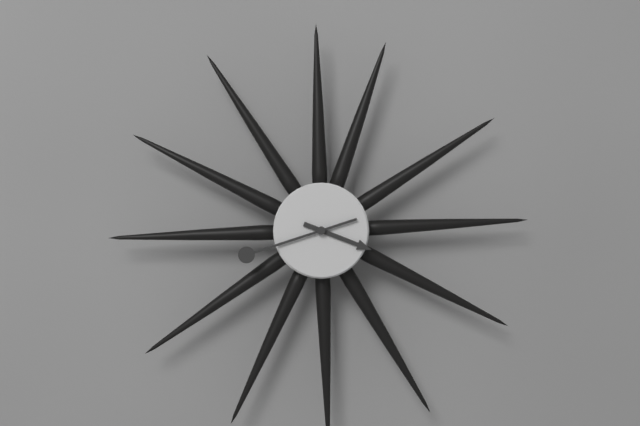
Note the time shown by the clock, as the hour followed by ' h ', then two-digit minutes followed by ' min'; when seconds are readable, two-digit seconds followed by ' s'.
3 h 42 min
